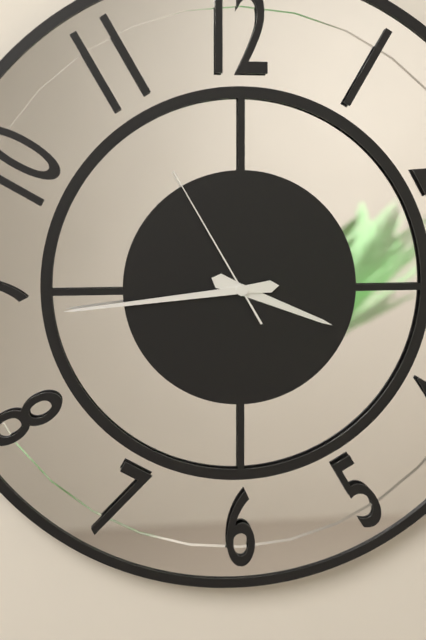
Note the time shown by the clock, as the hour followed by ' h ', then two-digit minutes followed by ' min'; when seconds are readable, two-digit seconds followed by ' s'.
3 h 44 min 55 s
